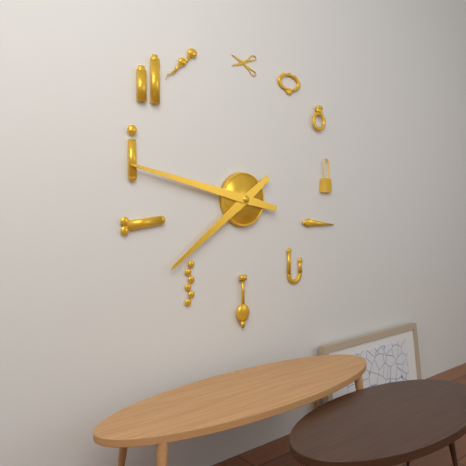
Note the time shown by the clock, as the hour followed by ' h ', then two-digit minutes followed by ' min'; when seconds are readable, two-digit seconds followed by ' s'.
7 h 47 min
